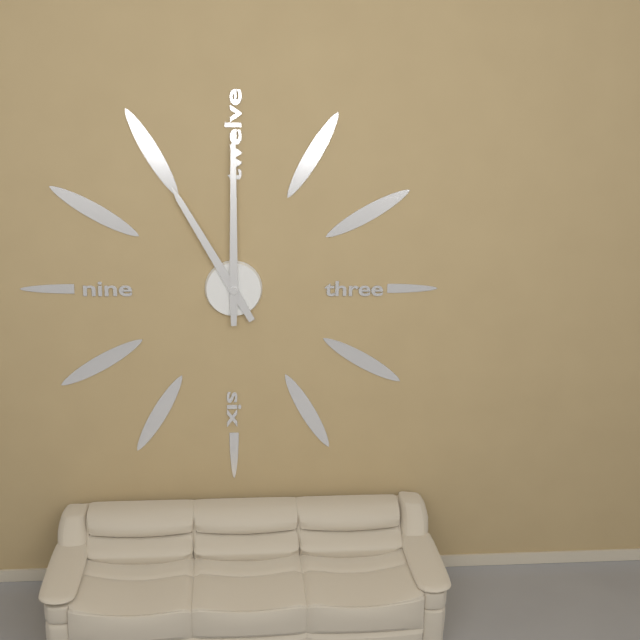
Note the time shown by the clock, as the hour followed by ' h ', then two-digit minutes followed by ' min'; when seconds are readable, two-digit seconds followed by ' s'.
11 h 00 min
